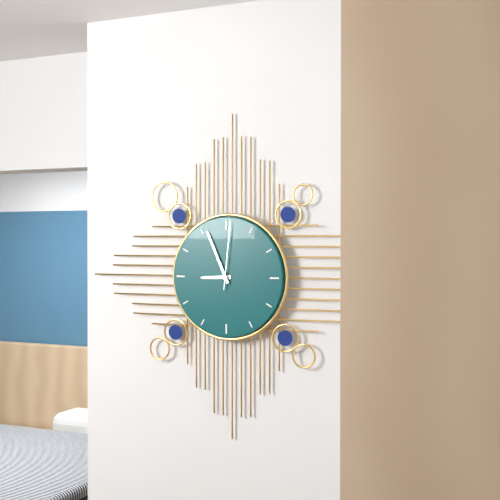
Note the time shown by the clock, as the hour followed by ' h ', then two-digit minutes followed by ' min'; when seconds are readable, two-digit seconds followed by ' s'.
8 h 56 min 01 s
